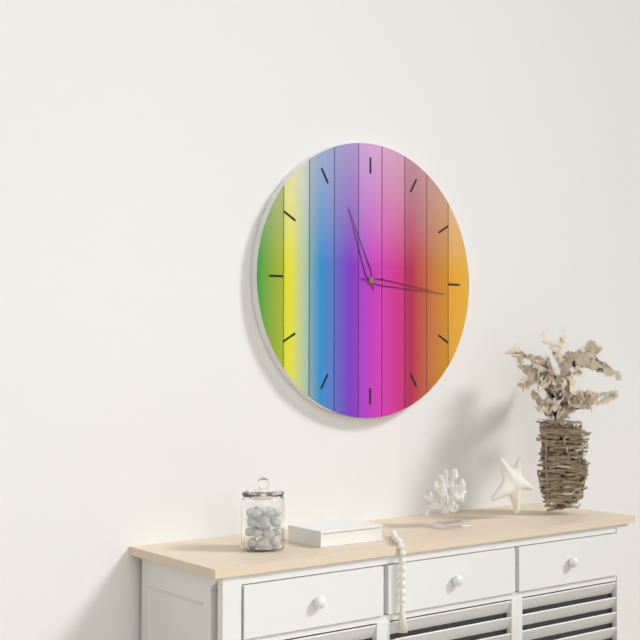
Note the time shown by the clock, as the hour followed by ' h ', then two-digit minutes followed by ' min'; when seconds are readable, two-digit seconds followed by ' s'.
11 h 16 min
